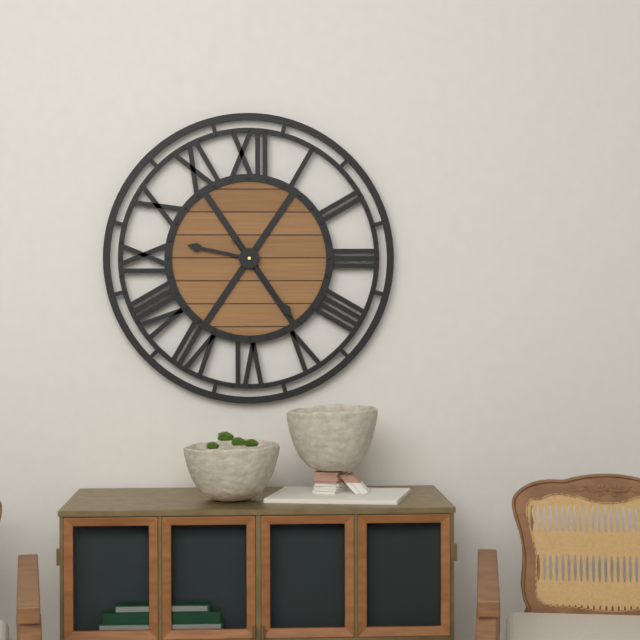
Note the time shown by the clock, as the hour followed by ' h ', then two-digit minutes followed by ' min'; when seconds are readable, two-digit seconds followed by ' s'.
9 h 24 min
